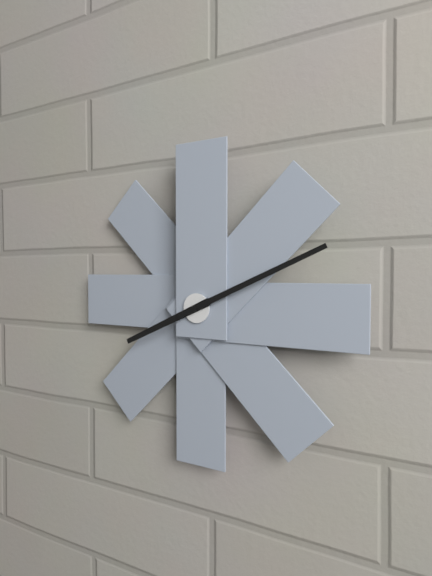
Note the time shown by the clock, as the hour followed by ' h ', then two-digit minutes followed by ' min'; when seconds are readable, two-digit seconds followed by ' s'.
8 h 11 min
